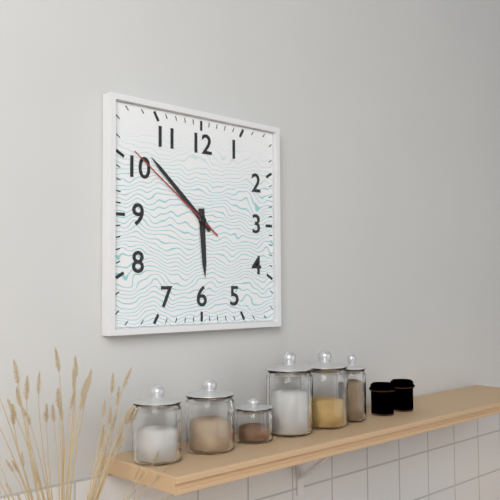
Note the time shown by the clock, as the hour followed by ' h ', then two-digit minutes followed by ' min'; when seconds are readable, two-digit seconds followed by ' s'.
5 h 52 min 51 s
